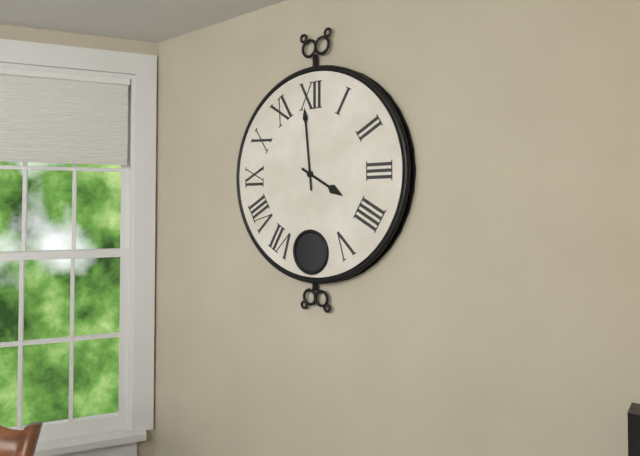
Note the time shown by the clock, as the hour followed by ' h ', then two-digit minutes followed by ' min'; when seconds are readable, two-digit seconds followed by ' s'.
3 h 59 min
